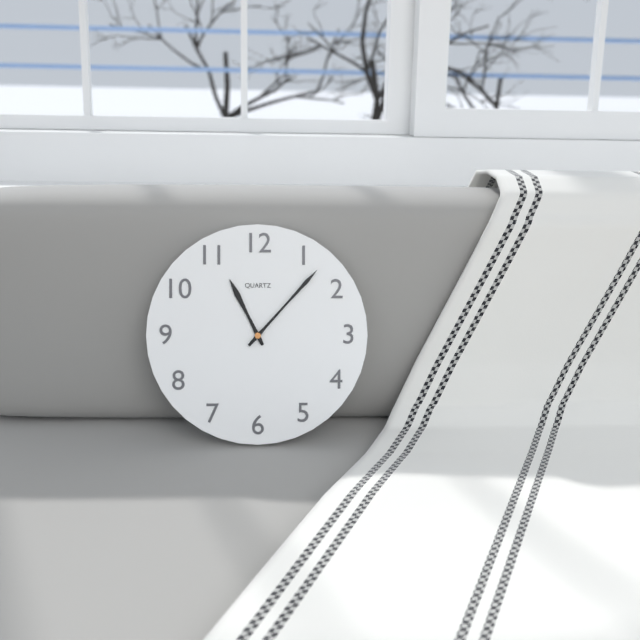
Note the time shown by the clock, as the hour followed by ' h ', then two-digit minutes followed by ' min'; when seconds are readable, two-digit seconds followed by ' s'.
11 h 07 min
